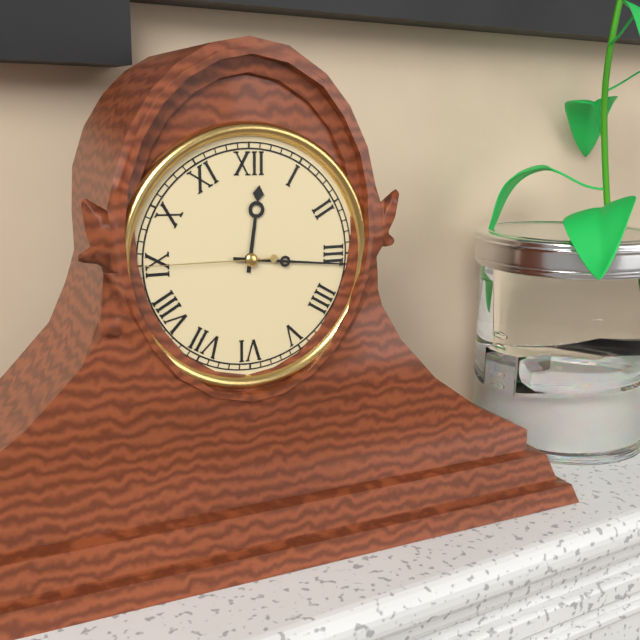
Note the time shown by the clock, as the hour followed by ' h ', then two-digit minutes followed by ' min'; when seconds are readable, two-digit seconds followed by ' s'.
12 h 16 min 45 s
